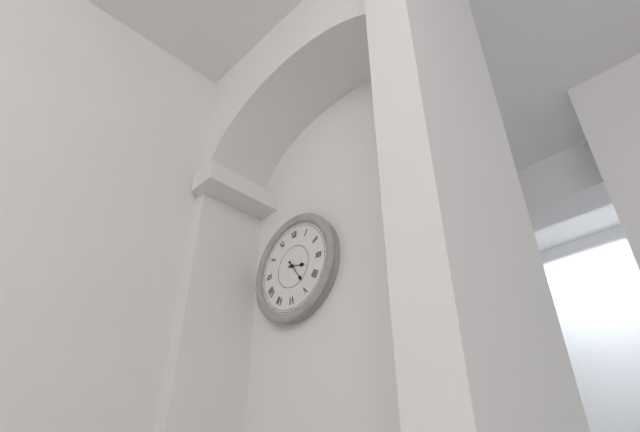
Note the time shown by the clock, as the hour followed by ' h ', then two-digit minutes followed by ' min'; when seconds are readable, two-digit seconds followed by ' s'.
3 h 24 min
